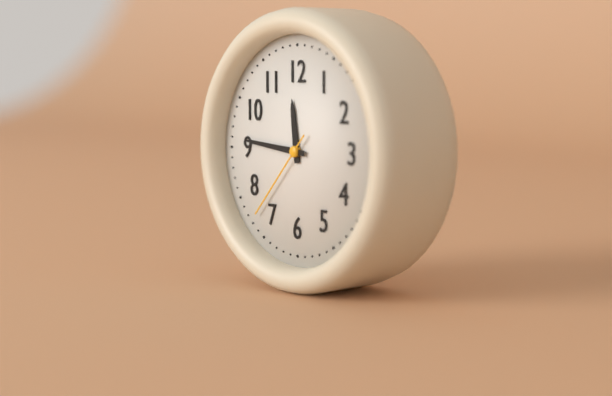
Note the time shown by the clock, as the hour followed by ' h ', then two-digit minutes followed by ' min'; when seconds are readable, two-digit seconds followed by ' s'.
11 h 46 min 37 s
